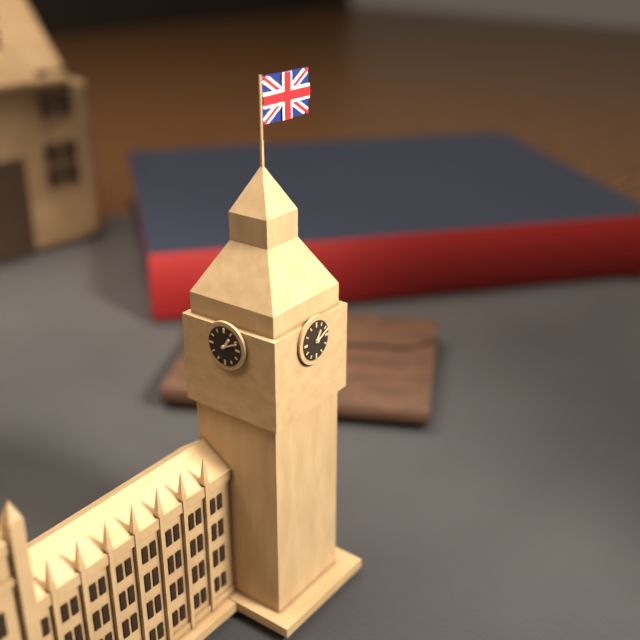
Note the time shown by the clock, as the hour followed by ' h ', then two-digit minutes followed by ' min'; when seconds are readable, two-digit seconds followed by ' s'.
1 h 11 min
